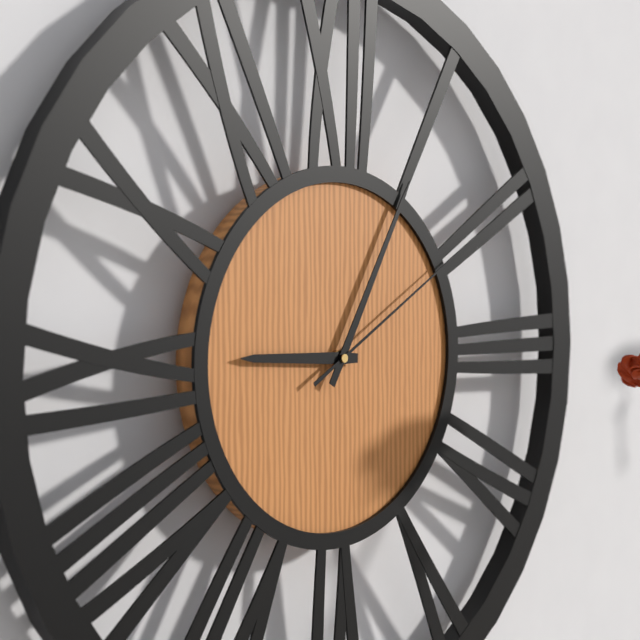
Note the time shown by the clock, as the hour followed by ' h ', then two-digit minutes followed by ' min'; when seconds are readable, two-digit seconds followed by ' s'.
9 h 05 min 10 s
